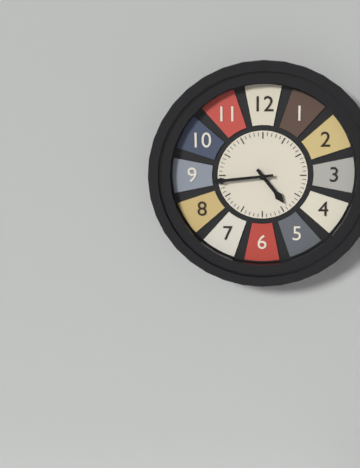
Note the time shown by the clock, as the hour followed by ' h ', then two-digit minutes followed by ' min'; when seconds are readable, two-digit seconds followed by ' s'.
4 h 44 min
